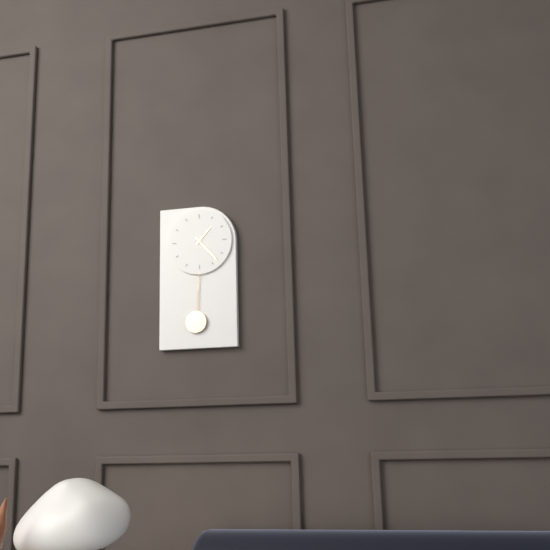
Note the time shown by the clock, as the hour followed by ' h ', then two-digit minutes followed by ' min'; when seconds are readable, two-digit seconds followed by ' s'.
1 h 23 min
